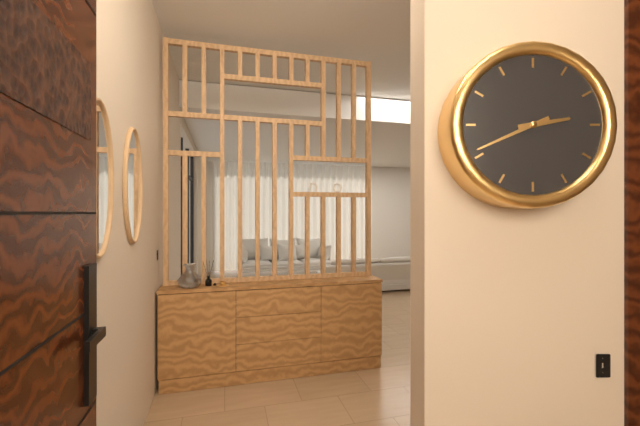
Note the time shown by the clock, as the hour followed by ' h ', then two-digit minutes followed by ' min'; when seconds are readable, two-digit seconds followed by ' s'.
2 h 41 min
